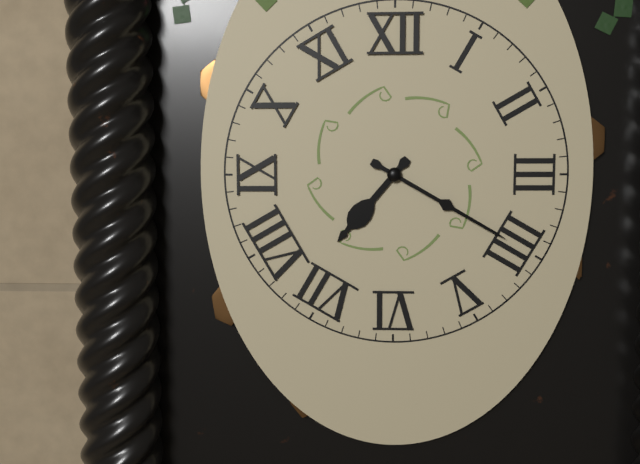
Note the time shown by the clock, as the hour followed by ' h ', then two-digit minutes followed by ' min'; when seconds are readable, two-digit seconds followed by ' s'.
7 h 20 min
